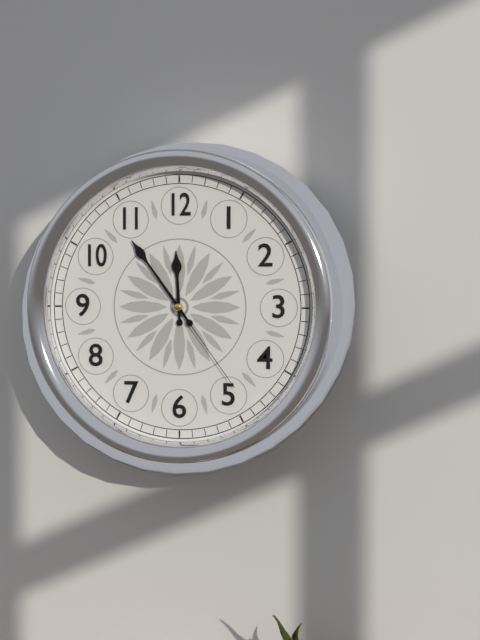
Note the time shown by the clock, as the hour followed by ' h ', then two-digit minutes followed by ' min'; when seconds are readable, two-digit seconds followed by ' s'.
11 h 54 min 24 s
